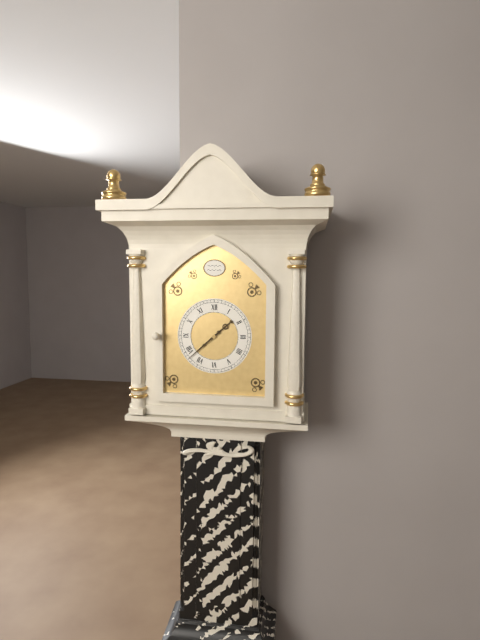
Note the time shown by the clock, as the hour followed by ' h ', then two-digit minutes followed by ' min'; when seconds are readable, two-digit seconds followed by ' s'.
1 h 38 min
